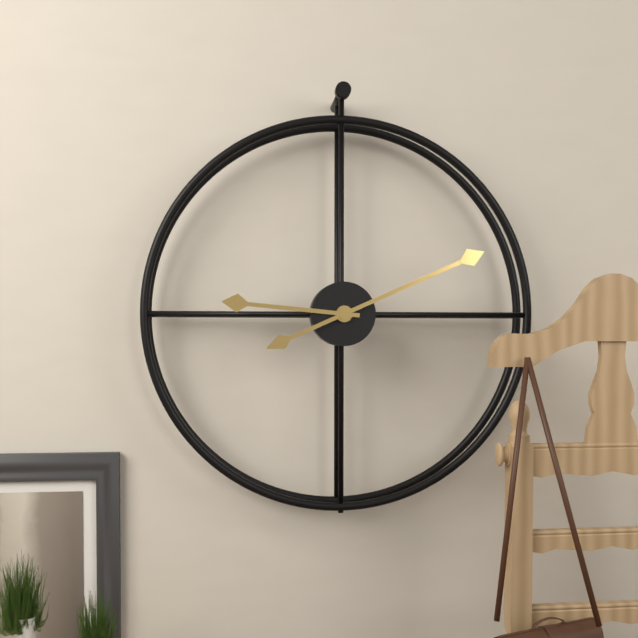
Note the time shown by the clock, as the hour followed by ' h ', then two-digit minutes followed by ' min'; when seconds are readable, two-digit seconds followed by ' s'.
9 h 11 min
